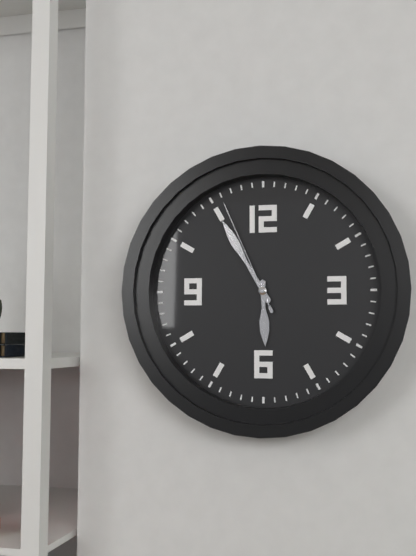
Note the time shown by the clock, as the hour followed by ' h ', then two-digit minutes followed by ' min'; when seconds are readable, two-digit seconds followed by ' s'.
5 h 55 min 56 s
